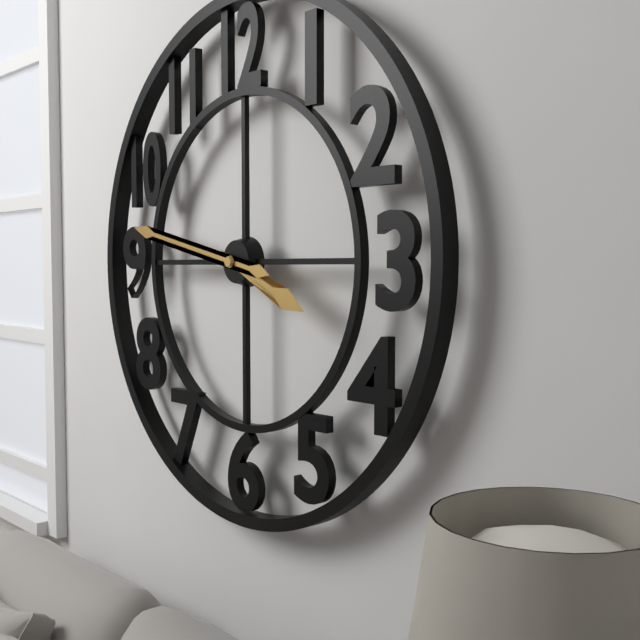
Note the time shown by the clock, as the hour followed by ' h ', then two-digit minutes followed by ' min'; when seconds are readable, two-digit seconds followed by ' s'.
3 h 47 min
